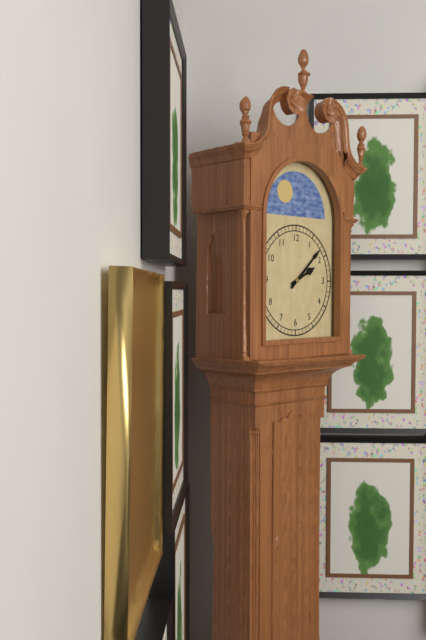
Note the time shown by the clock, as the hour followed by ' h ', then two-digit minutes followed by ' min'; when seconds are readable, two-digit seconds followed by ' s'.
2 h 08 min
